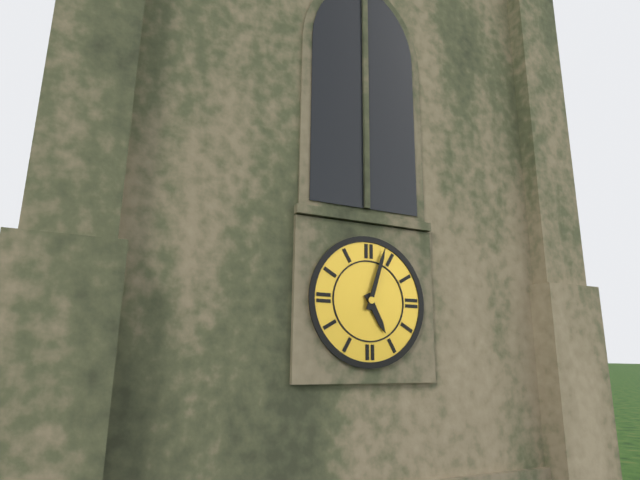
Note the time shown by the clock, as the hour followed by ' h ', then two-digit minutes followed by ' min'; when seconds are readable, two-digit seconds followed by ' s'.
5 h 03 min
